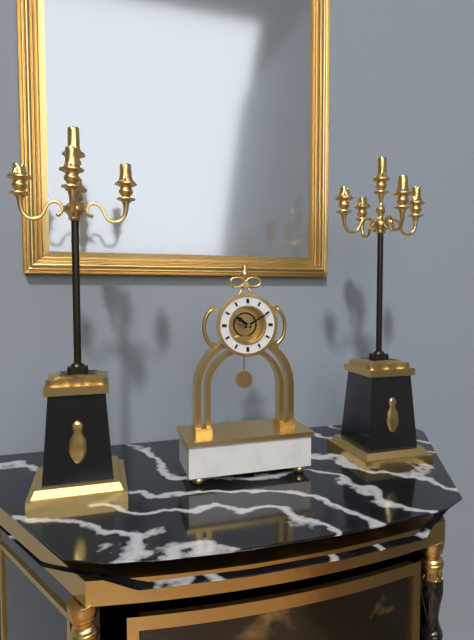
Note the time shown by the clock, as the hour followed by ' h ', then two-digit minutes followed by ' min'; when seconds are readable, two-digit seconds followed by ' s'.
10 h 10 min
